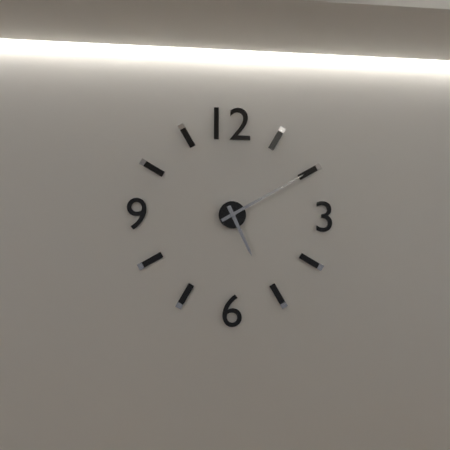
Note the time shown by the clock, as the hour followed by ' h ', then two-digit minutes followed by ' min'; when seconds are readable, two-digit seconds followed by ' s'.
5 h 10 min
